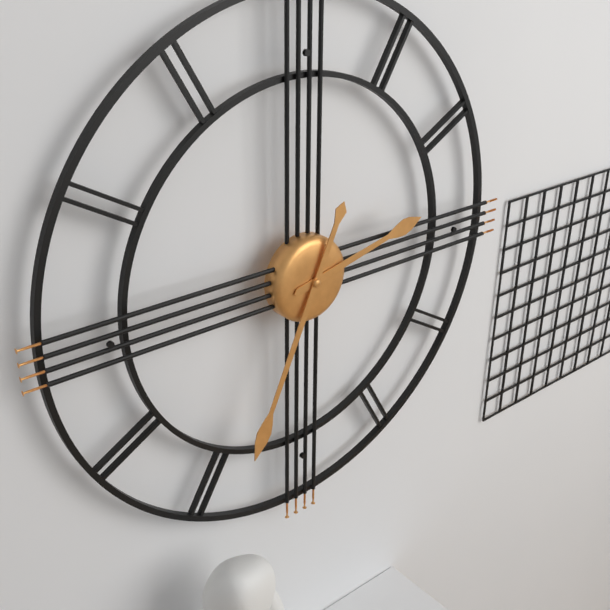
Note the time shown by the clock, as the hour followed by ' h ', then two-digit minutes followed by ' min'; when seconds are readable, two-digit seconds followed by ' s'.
2 h 34 min
